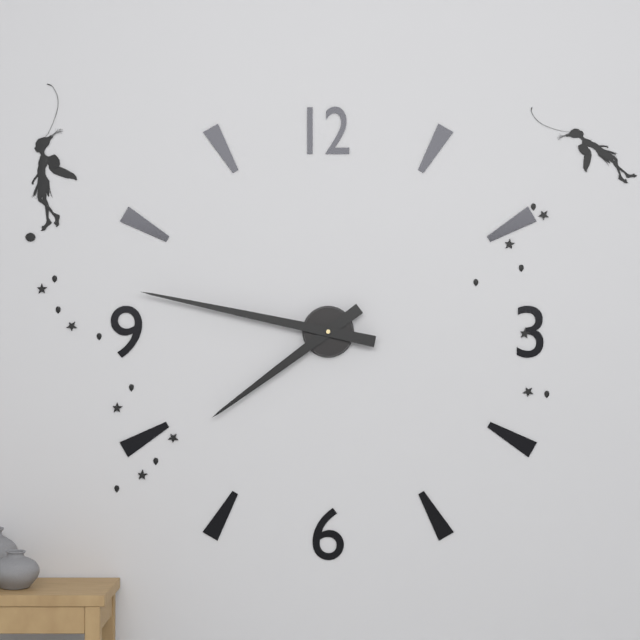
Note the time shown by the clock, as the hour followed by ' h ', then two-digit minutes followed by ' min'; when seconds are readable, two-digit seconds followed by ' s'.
7 h 47 min
